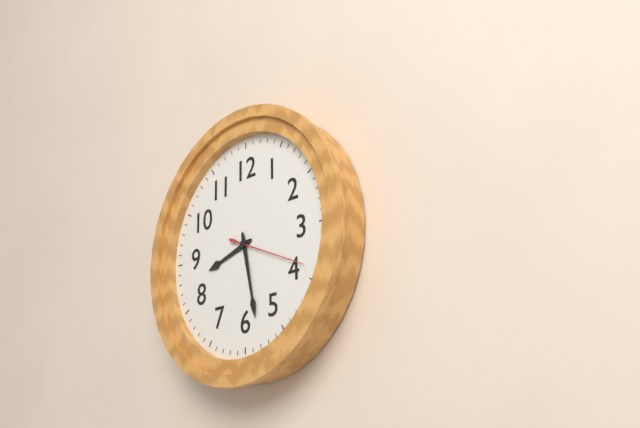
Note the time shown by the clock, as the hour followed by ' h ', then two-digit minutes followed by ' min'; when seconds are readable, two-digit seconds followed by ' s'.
8 h 28 min 19 s
